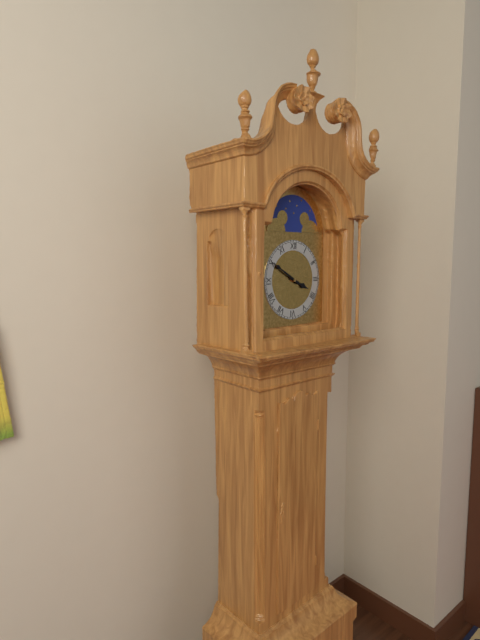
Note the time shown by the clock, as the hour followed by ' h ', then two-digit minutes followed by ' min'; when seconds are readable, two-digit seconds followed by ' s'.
3 h 50 min
